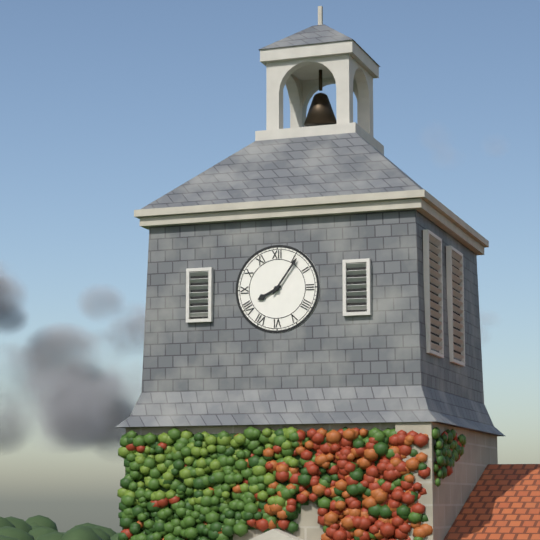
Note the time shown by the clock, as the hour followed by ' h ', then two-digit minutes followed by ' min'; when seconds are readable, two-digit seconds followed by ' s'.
8 h 06 min
